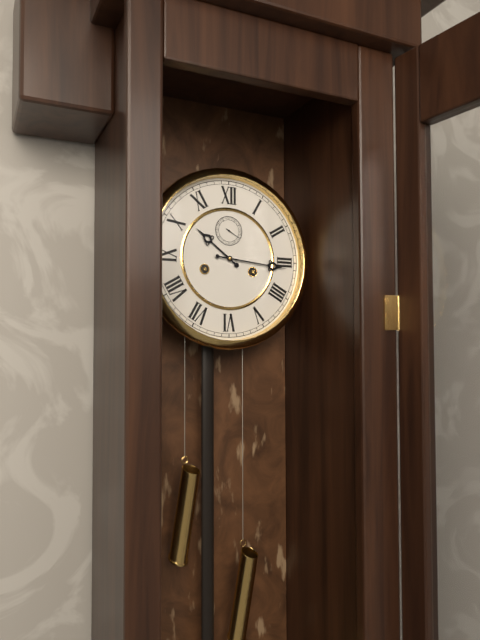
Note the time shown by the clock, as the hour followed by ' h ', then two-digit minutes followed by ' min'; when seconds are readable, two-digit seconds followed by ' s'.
10 h 16 min
